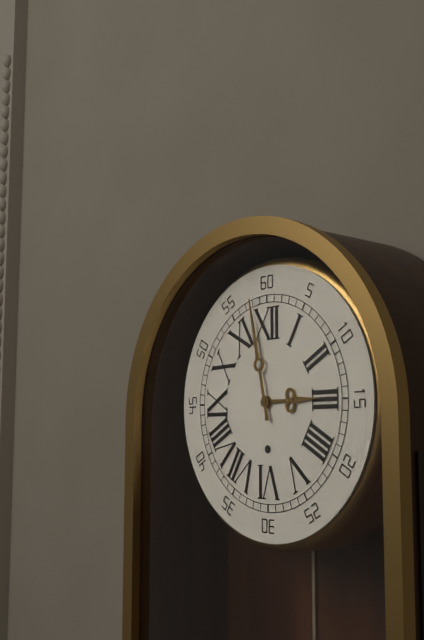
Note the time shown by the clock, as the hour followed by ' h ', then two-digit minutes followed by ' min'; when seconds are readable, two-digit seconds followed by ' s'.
2 h 58 min
